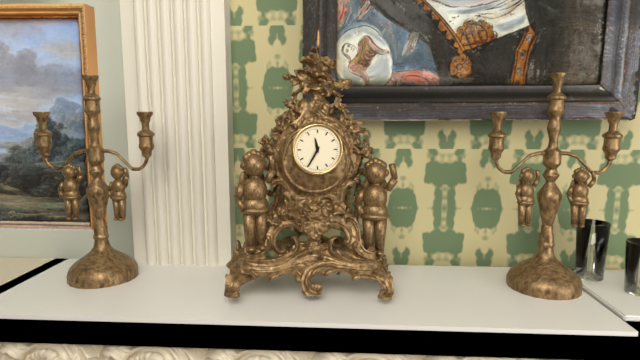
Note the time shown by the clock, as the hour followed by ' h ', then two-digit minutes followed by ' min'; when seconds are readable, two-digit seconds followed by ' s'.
11 h 35 min
